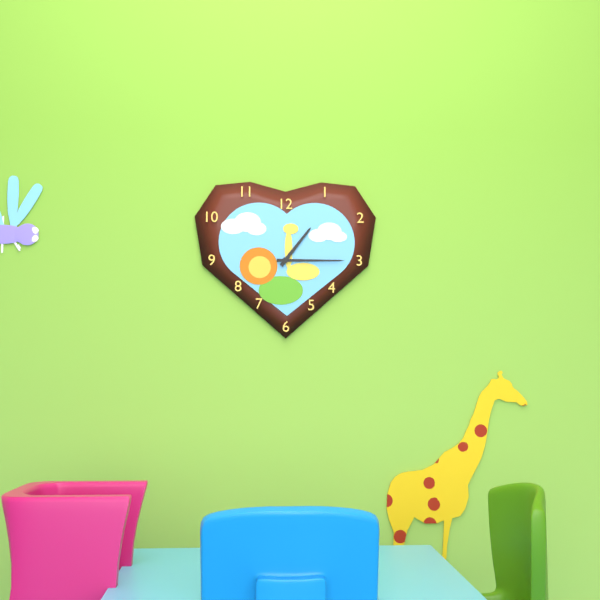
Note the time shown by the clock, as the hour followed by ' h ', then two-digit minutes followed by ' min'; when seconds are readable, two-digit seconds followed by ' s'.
1 h 15 min
